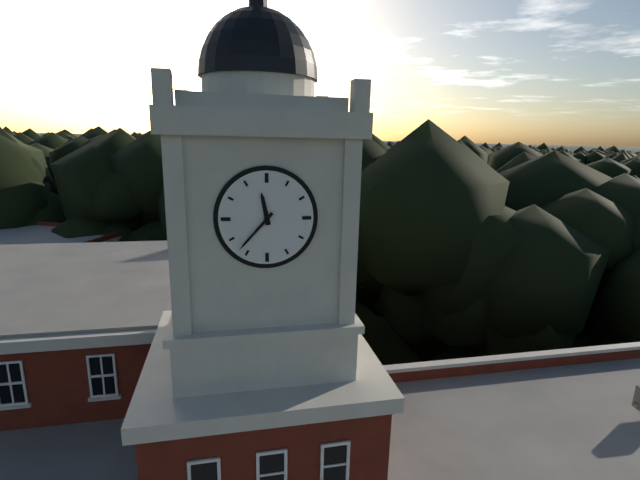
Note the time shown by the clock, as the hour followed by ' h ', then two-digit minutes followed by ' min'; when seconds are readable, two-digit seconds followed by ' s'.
11 h 37 min
